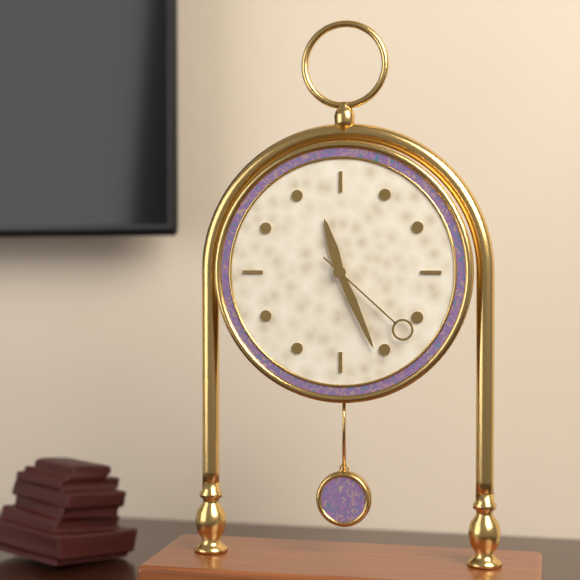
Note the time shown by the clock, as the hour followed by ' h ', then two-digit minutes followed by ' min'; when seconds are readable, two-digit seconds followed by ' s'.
11 h 26 min 22 s
